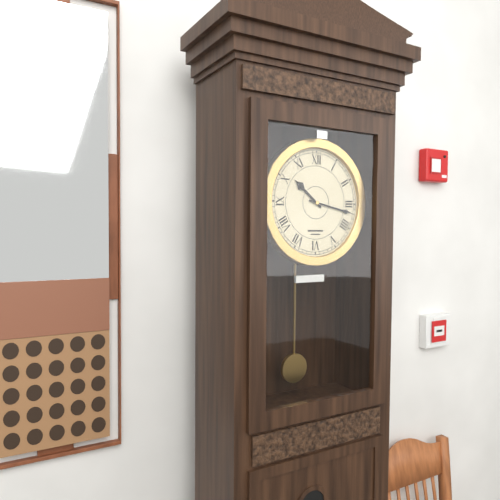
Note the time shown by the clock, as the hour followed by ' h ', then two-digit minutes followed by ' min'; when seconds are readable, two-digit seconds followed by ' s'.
10 h 17 min
